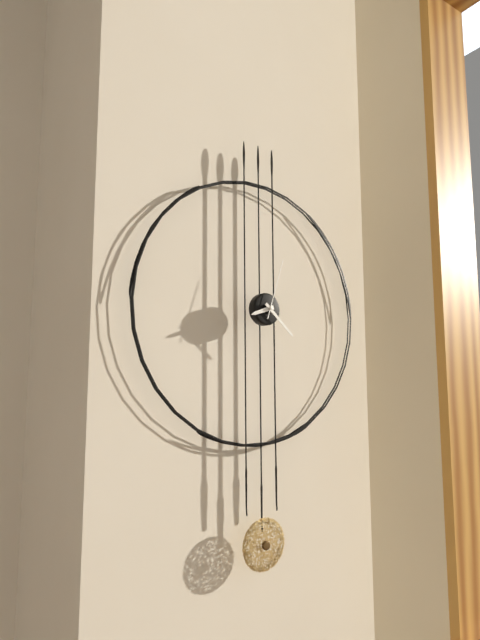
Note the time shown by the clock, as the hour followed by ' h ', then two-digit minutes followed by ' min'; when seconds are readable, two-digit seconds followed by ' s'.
8 h 22 min 03 s
